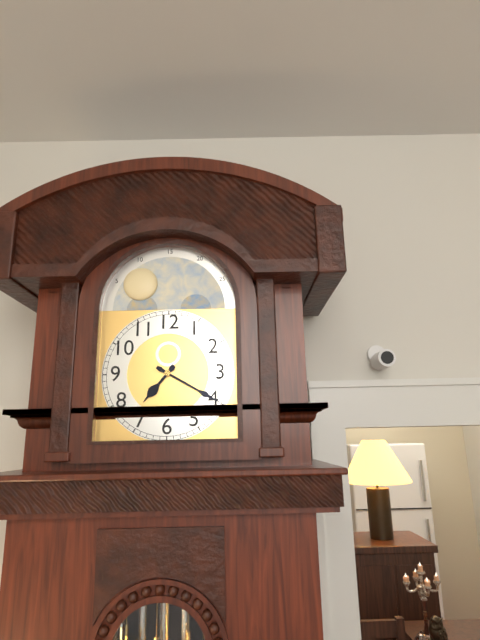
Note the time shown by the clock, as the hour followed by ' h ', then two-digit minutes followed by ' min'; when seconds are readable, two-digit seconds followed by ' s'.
7 h 20 min
